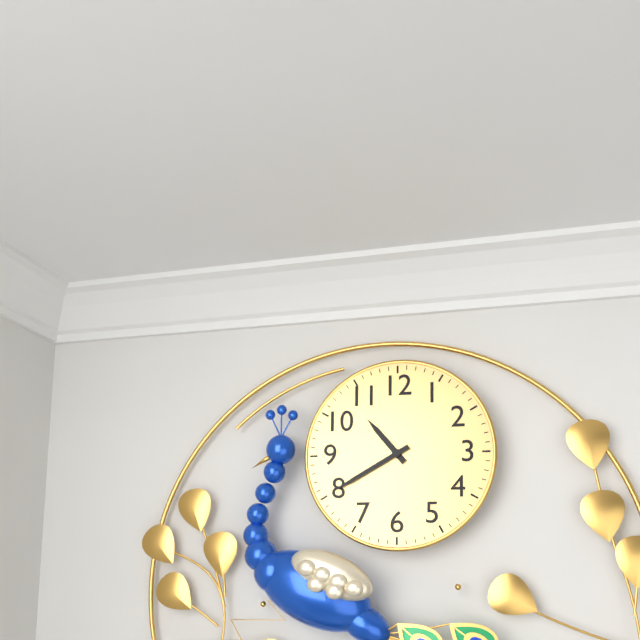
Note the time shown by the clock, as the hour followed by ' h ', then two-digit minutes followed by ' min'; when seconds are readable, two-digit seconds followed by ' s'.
10 h 40 min
